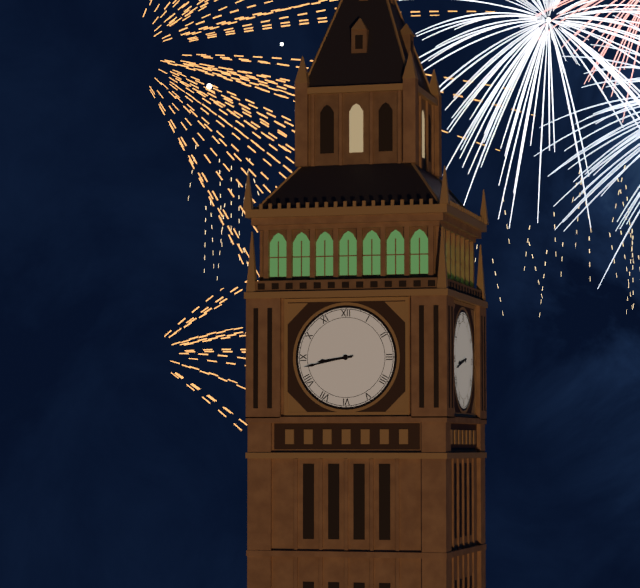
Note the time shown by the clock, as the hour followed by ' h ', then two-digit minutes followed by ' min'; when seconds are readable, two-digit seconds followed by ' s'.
8 h 43 min
